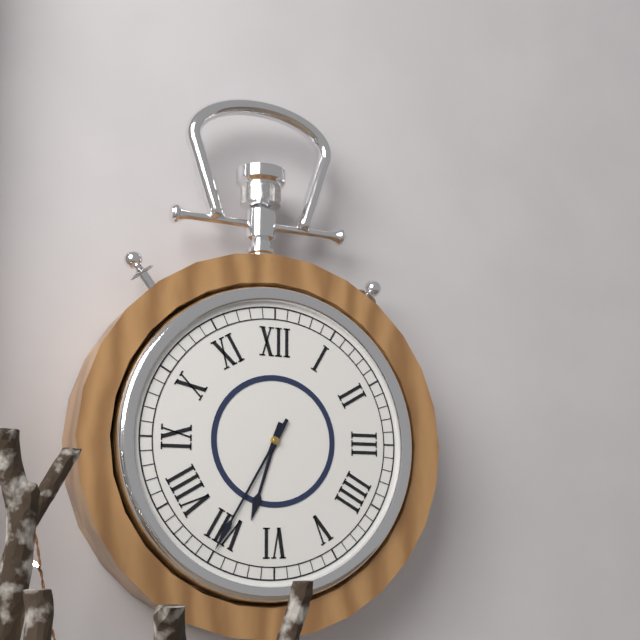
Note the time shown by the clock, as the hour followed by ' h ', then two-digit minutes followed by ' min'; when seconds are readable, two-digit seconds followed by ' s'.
6 h 35 min
